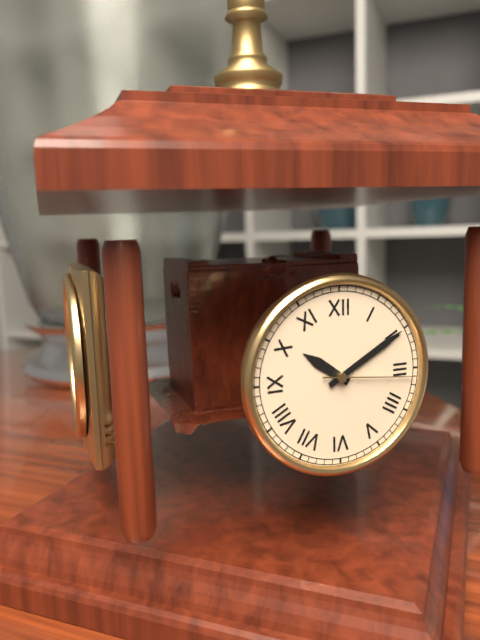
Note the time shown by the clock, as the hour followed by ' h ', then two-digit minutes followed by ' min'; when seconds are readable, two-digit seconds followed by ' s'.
10 h 10 min 16 s
